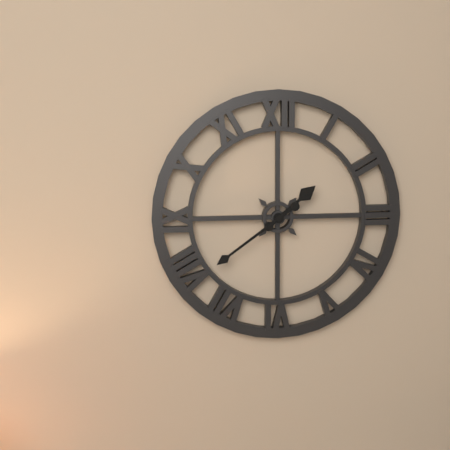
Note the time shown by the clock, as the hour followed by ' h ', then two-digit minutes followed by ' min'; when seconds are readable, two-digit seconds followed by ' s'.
1 h 39 min
